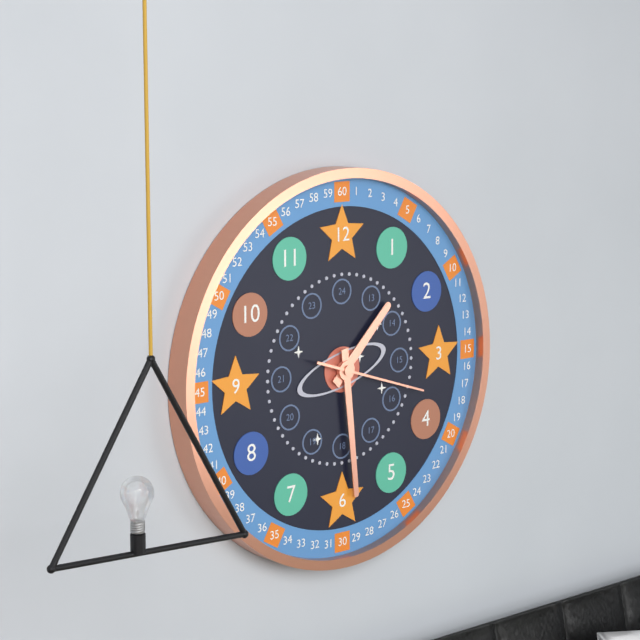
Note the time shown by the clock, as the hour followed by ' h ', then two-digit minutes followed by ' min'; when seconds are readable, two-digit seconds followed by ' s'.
1 h 29 min 18 s
